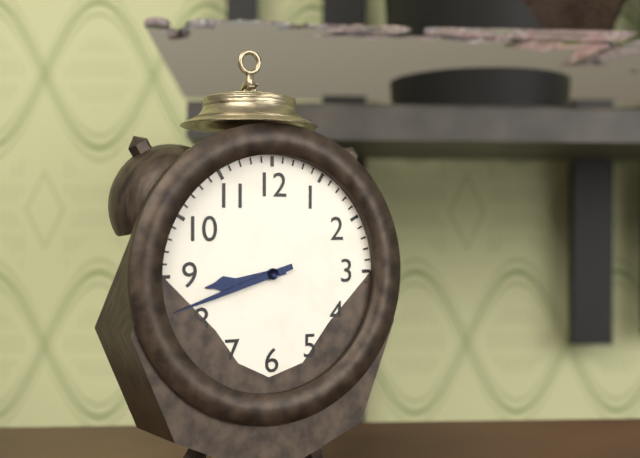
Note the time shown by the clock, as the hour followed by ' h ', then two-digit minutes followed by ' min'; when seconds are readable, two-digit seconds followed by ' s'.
8 h 42 min
